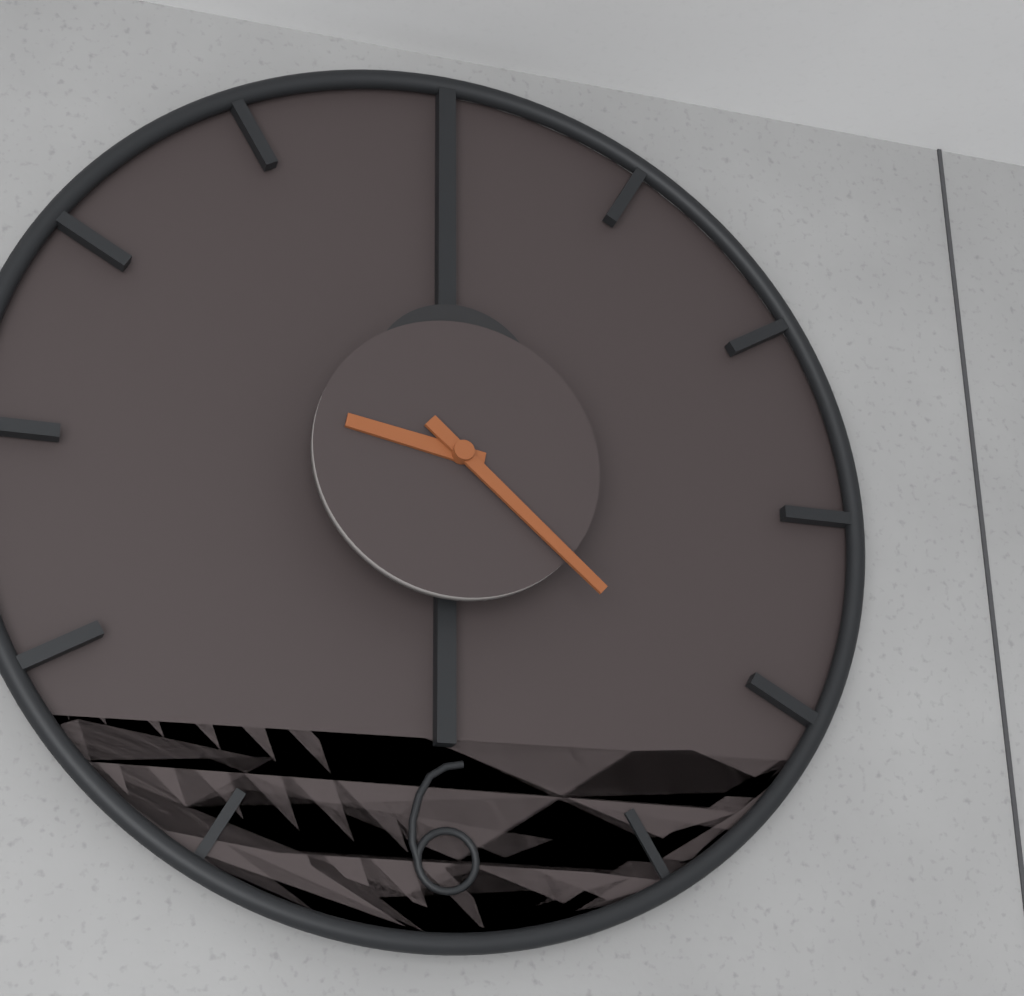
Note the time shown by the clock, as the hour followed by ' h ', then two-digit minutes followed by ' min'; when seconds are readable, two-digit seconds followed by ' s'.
9 h 22 min
